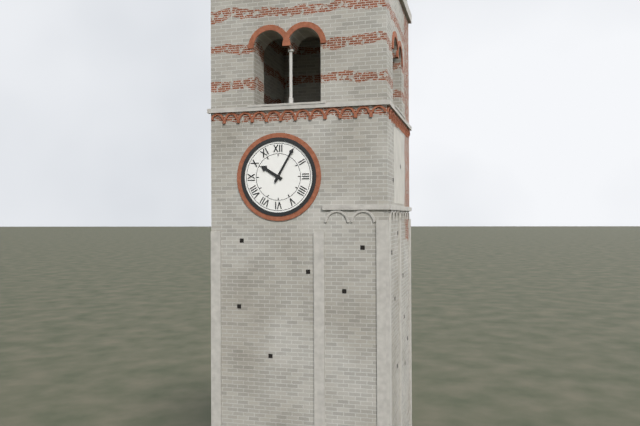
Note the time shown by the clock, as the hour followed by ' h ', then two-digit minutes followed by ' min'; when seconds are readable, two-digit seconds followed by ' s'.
10 h 05 min
